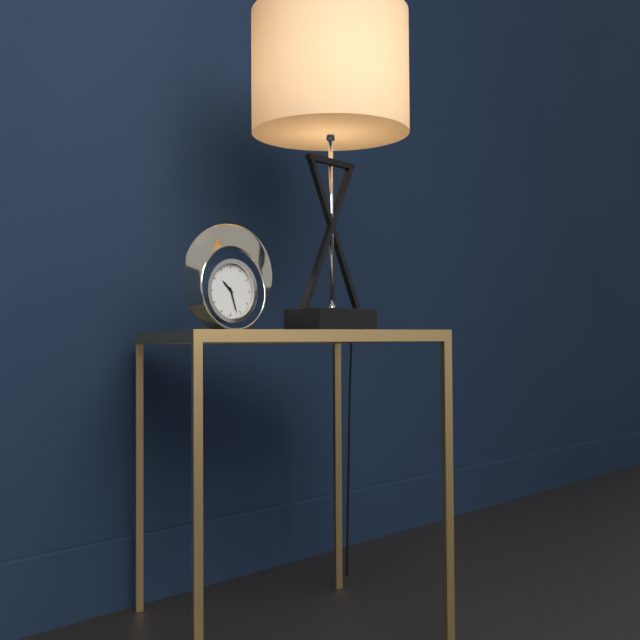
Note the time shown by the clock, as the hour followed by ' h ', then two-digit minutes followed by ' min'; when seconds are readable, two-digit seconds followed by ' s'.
10 h 27 min
